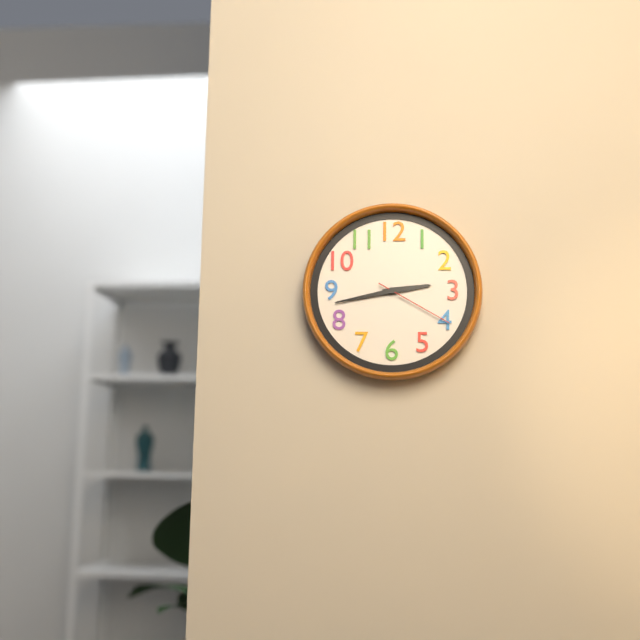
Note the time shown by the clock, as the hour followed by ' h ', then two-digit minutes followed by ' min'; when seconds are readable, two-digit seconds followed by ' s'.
2 h 43 min 20 s
